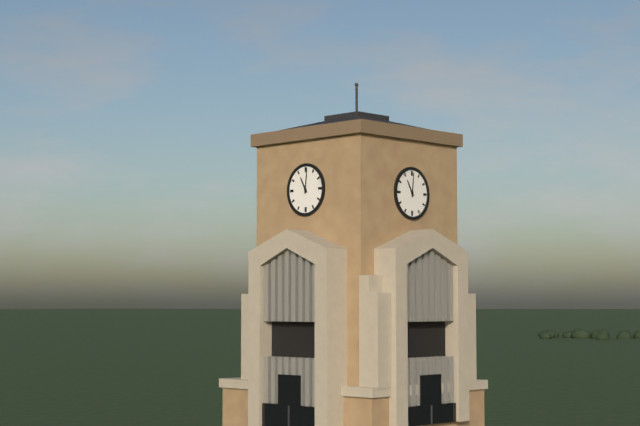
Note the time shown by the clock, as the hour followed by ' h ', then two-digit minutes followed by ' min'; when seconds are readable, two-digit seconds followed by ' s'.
11 h 01 min
